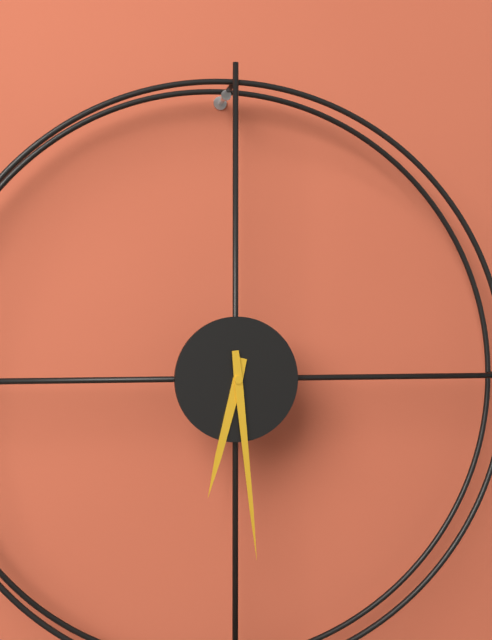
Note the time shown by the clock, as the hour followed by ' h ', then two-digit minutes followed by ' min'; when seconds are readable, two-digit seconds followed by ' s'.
6 h 29 min
